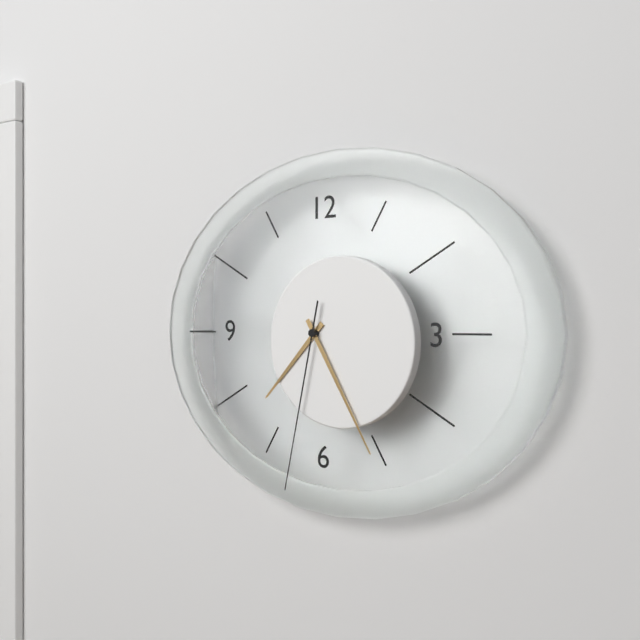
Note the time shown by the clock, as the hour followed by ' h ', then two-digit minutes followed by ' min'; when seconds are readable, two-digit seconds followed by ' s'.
7 h 25 min 32 s
